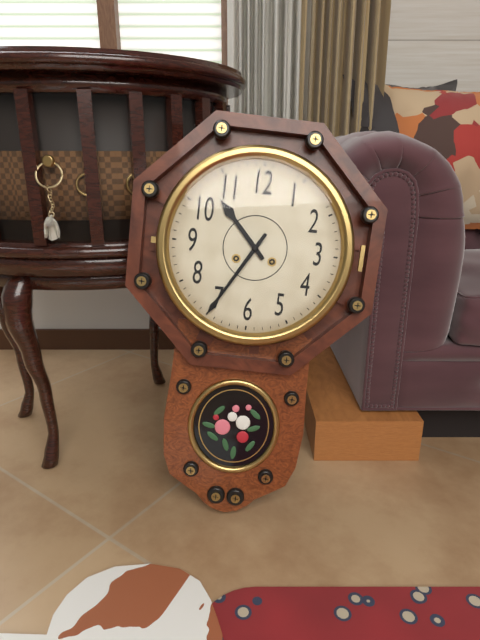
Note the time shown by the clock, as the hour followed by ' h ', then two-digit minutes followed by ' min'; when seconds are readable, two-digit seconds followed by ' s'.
10 h 35 min
